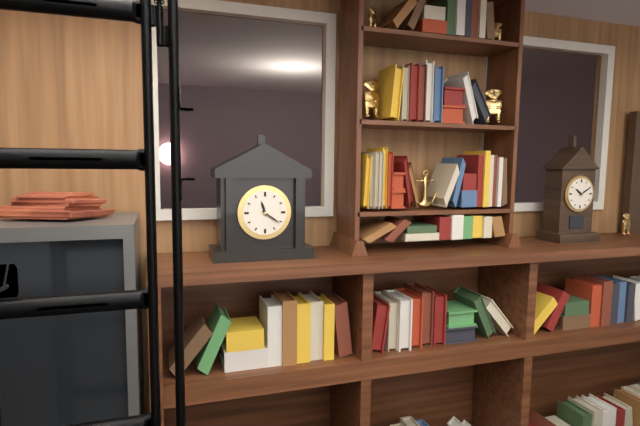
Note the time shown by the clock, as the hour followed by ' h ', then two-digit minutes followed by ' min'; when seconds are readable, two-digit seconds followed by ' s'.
11 h 21 min
